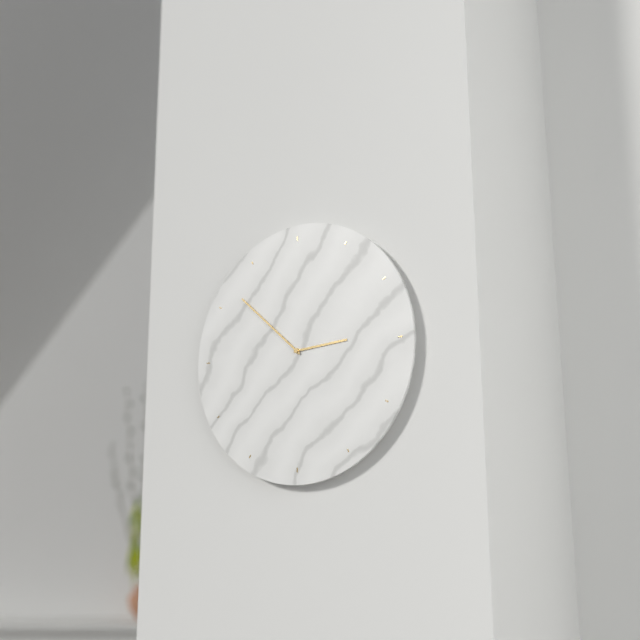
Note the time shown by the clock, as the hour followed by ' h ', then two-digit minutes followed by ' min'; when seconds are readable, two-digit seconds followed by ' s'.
2 h 52 min
